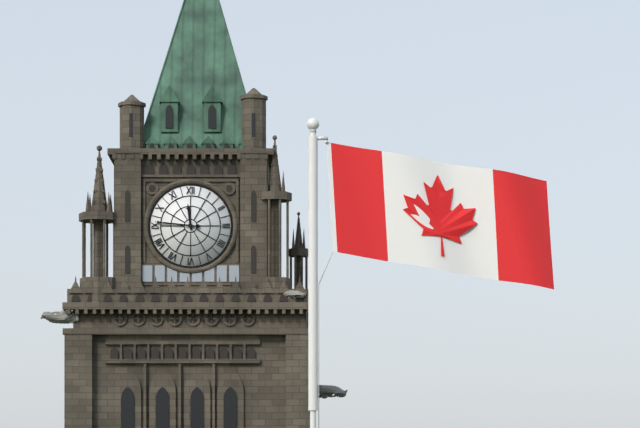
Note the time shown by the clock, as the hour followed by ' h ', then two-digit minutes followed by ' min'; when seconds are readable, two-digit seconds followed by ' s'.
11 h 46 min
